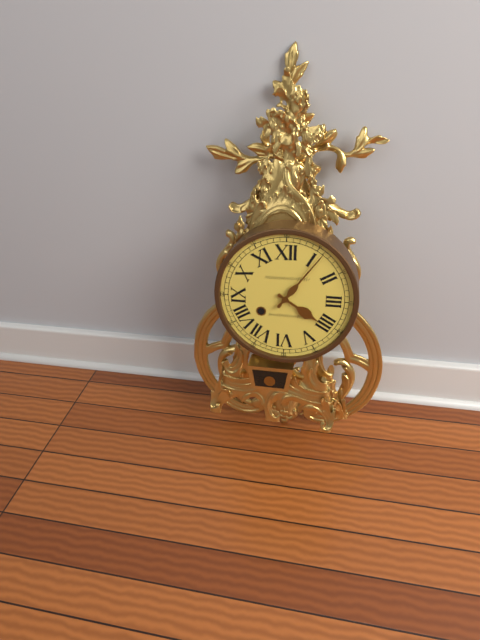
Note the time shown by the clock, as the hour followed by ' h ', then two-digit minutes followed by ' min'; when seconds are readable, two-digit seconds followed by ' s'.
4 h 06 min
